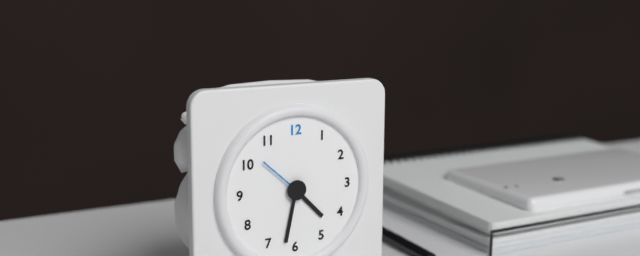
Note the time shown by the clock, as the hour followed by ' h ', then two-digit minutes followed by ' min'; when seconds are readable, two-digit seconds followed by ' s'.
4 h 32 min 52 s
